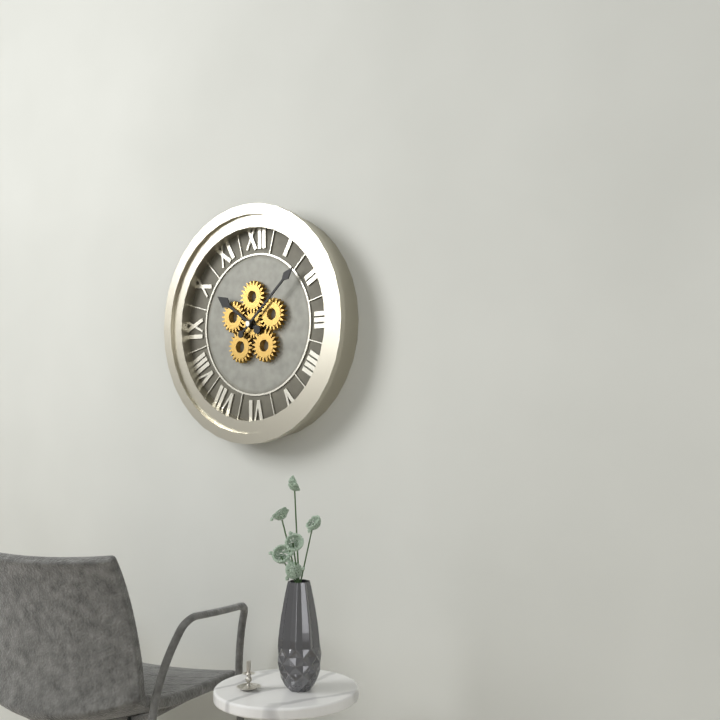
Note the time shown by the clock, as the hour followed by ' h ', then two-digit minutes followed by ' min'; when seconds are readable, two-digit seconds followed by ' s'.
10 h 08 min
